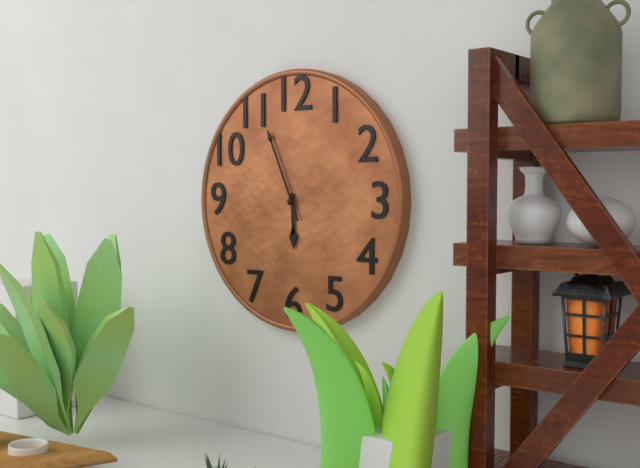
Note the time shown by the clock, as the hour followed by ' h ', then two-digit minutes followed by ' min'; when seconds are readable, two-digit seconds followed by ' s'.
5 h 56 min
